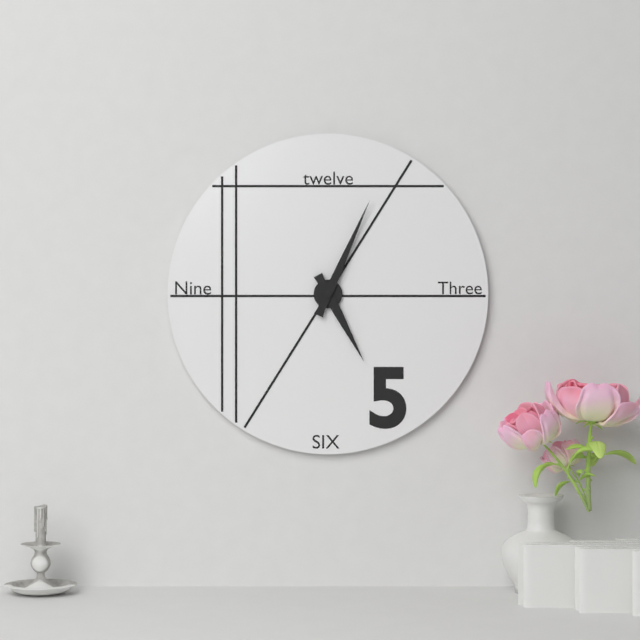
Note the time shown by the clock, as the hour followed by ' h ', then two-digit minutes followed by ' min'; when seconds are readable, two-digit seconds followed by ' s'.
5 h 04 min
